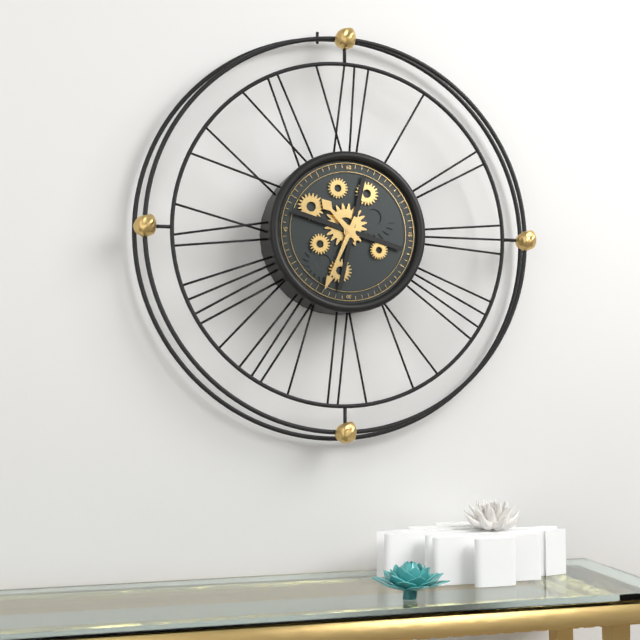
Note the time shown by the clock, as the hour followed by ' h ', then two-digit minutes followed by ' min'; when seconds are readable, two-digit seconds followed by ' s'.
10 h 34 min
